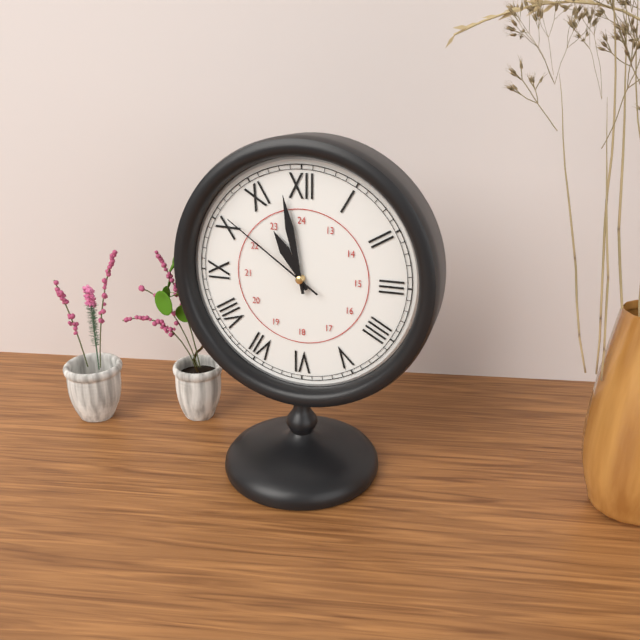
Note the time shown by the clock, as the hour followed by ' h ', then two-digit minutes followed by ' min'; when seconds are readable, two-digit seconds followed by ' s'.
10 h 58 min 51 s
